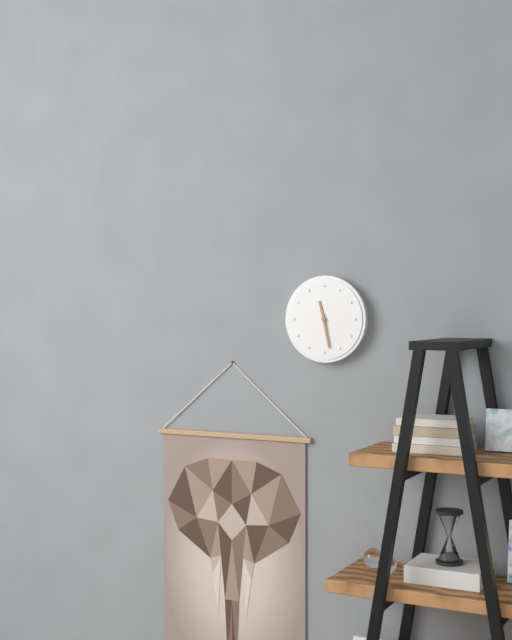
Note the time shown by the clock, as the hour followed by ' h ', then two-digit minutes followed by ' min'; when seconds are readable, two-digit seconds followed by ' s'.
11 h 28 min
